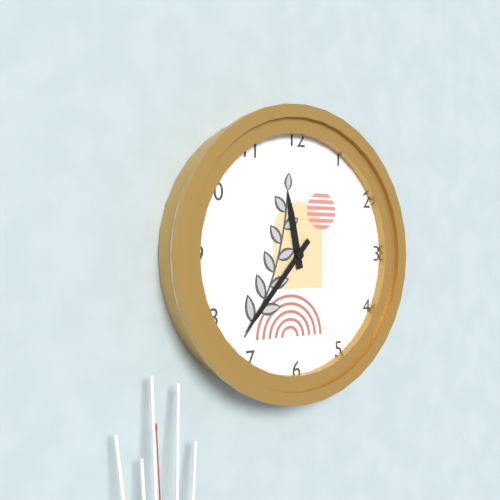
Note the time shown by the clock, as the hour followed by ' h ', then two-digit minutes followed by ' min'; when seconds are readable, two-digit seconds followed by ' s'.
11 h 37 min
